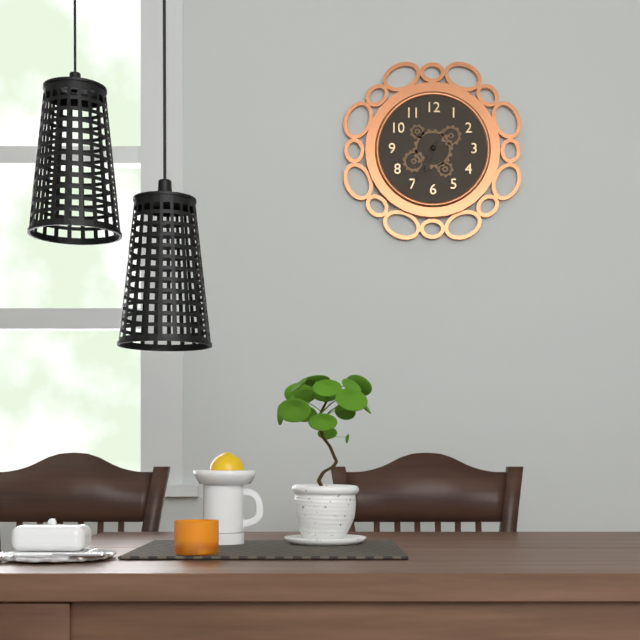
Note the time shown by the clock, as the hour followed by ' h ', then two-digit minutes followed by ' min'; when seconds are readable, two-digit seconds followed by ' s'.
6 h 35 min
